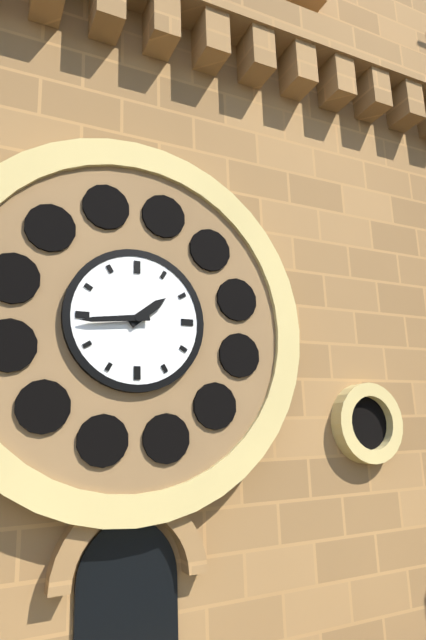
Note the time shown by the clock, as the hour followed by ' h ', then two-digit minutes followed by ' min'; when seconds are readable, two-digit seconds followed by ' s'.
1 h 44 min
